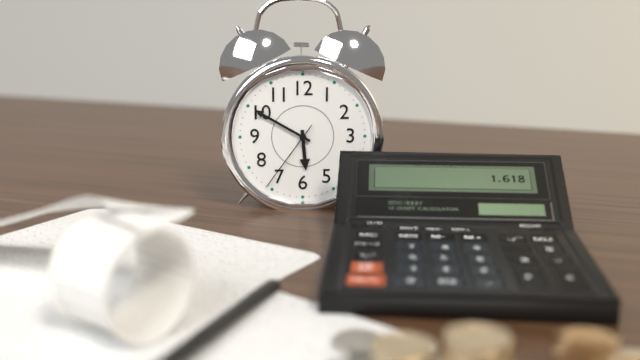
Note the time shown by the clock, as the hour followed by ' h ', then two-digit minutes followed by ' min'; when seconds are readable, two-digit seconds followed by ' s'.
5 h 50 min 36 s
